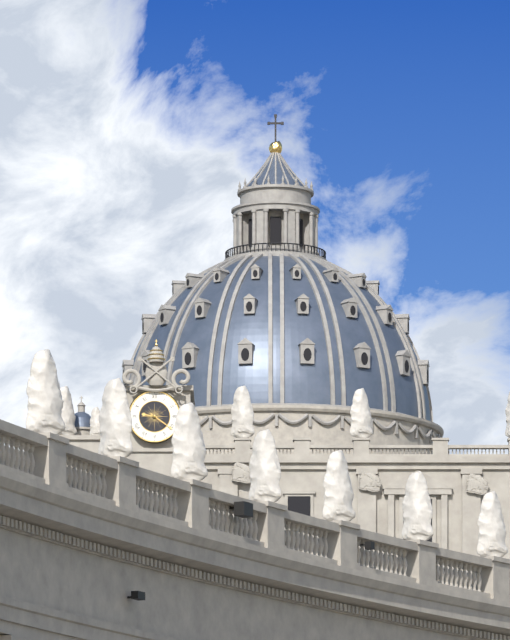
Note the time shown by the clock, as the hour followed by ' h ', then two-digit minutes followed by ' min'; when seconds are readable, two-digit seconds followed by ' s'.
9 h 21 min
